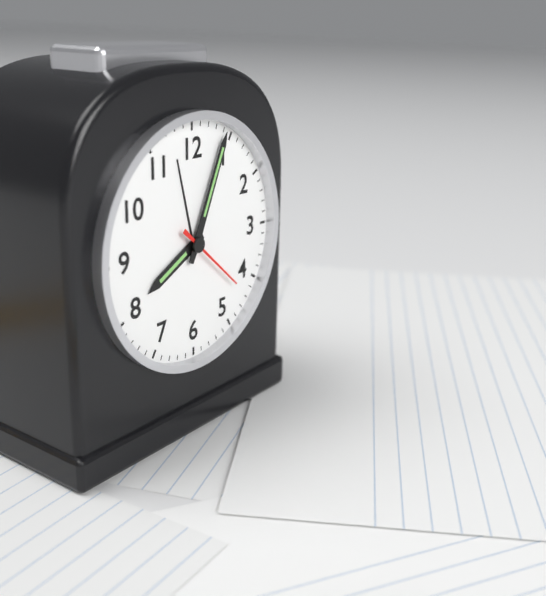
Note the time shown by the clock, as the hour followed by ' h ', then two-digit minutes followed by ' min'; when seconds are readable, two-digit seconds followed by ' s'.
8 h 04 min 22 s
